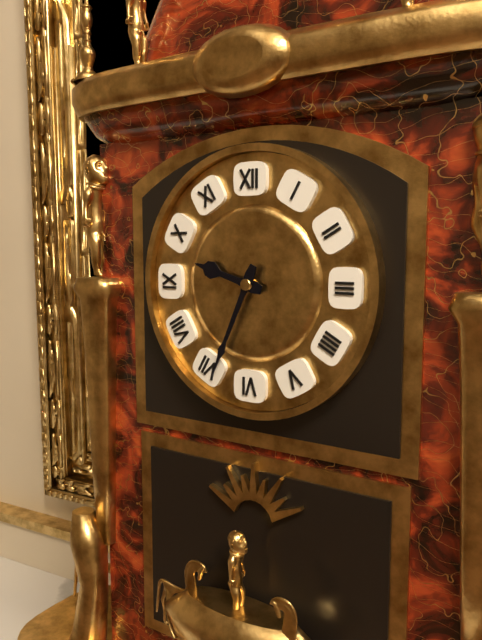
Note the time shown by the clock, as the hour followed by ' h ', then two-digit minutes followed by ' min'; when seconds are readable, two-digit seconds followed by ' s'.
9 h 34 min
